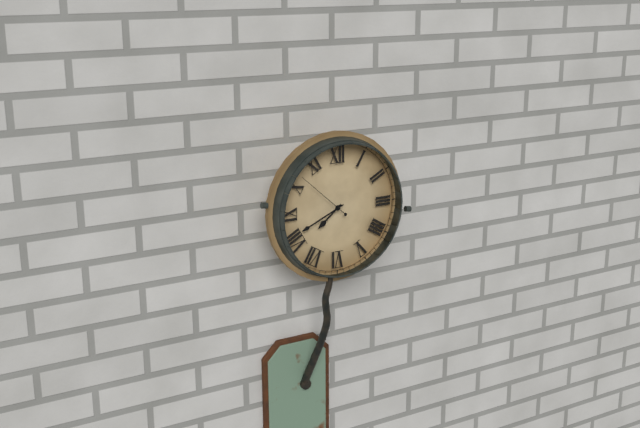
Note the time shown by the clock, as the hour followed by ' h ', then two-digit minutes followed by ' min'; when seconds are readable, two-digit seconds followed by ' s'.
7 h 41 min 52 s
